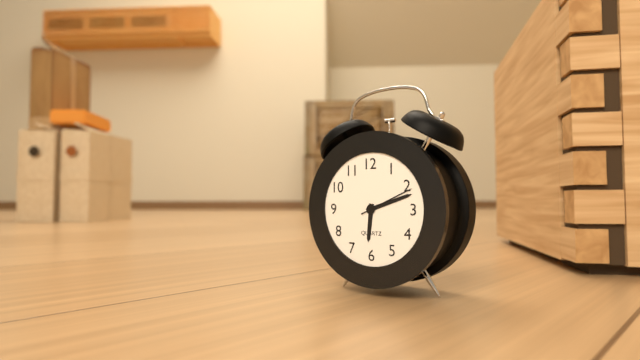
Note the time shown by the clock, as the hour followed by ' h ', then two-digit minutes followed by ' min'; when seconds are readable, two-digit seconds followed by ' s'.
6 h 12 min 11 s
